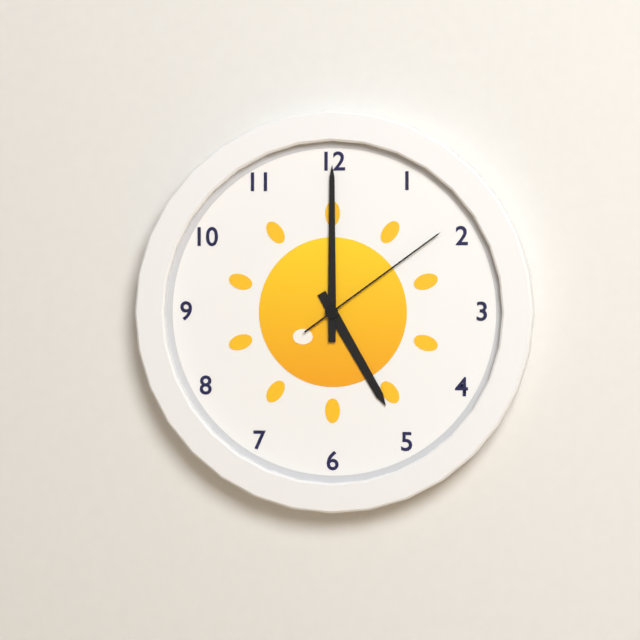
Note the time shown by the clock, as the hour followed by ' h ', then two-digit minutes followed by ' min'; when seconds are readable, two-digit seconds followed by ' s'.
5 h 00 min 09 s
